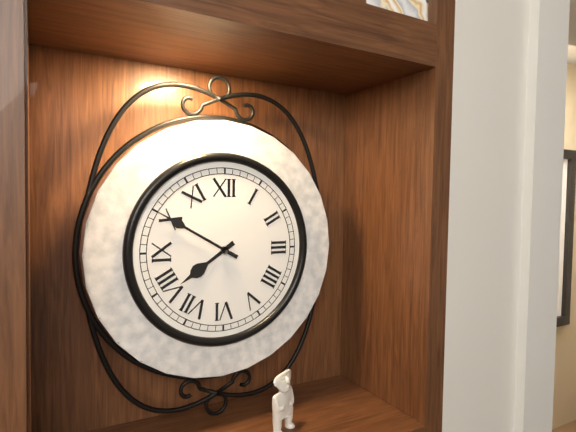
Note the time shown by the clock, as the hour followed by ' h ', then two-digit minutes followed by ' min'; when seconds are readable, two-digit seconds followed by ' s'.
7 h 50 min
